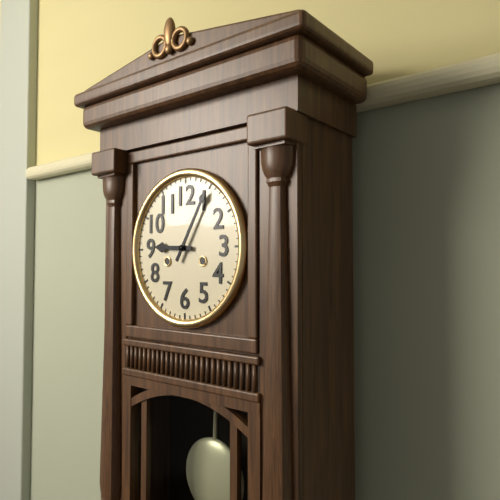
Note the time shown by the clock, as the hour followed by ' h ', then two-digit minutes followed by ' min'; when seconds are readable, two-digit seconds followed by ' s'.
9 h 05 min
